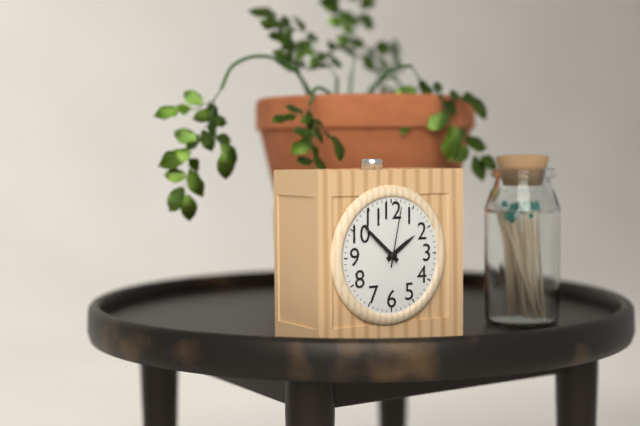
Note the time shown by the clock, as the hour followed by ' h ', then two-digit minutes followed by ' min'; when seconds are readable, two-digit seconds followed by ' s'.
1 h 52 min 02 s
